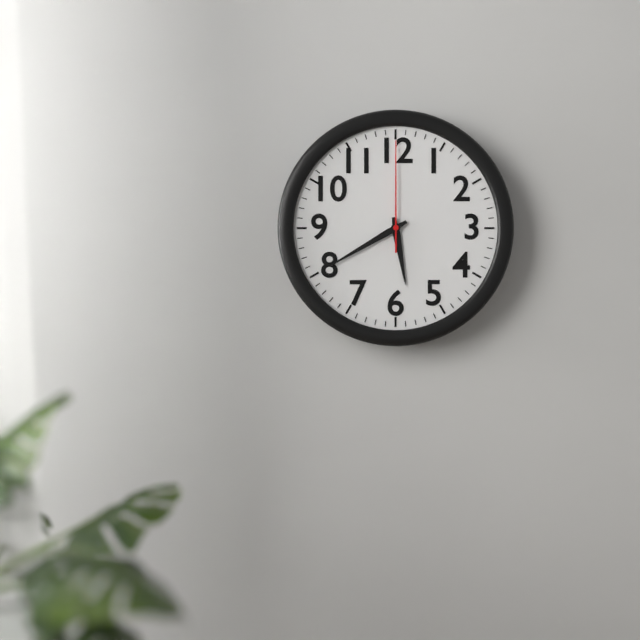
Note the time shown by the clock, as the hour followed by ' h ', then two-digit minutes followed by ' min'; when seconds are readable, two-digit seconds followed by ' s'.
5 h 40 min 00 s
